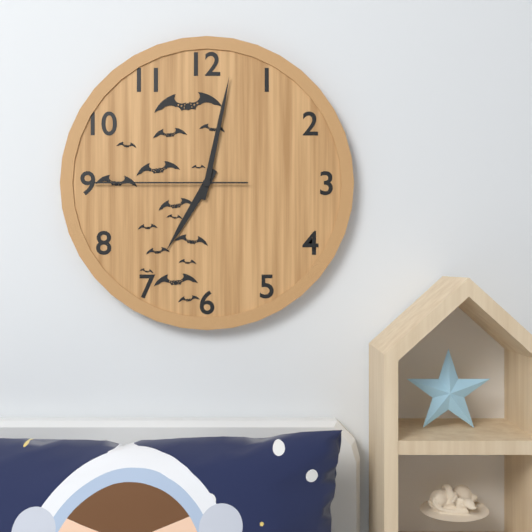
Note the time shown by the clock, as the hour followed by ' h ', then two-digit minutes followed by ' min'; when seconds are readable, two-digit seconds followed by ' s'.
7 h 02 min 45 s
